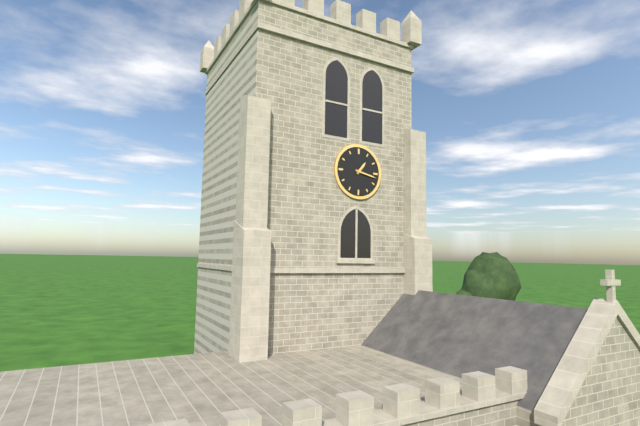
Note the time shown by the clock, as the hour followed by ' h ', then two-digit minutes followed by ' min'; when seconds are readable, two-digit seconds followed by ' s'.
1 h 17 min
